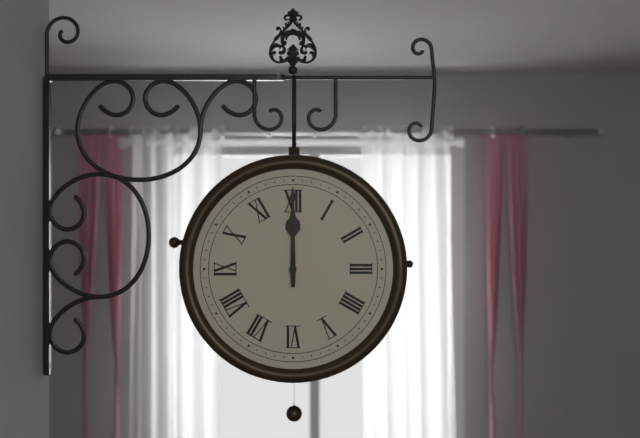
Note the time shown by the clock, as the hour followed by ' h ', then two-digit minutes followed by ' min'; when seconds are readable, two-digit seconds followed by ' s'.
12 h 00 min
